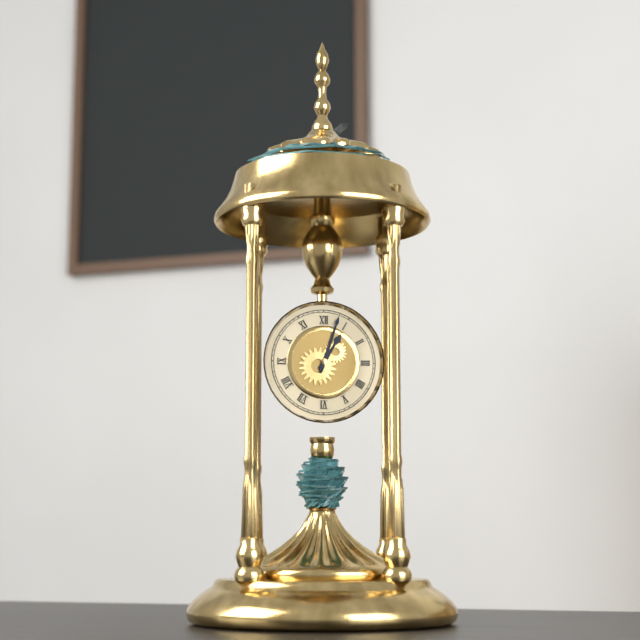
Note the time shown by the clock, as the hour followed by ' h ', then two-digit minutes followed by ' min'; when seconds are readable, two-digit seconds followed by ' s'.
1 h 03 min
